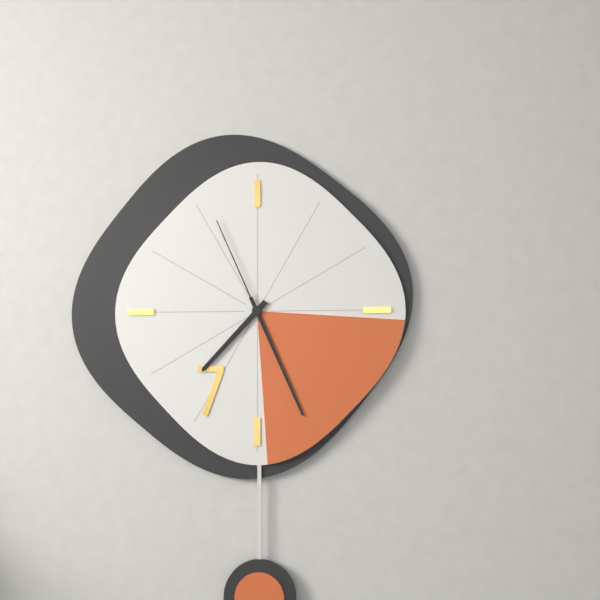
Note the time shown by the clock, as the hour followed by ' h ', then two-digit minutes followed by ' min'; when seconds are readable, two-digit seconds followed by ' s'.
7 h 26 min 56 s
